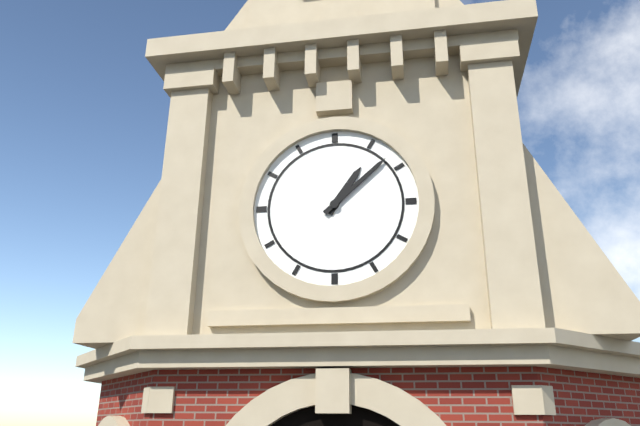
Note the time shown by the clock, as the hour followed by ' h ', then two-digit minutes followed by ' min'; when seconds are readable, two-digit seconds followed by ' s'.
1 h 08 min
